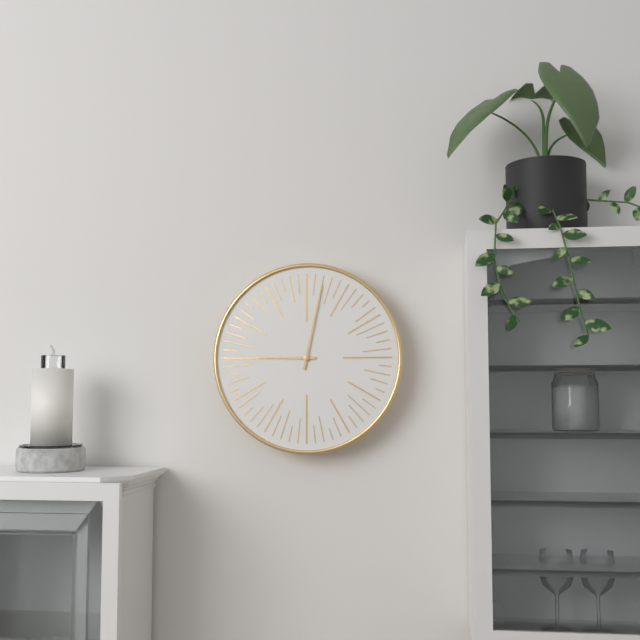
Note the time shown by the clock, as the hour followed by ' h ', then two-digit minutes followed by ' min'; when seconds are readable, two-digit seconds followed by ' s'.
9 h 02 min
